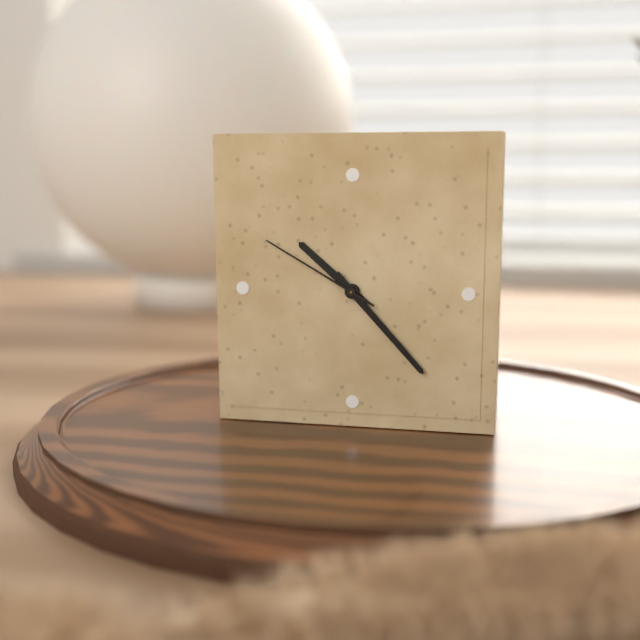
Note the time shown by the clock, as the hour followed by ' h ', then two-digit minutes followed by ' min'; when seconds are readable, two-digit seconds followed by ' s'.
10 h 23 min 50 s
